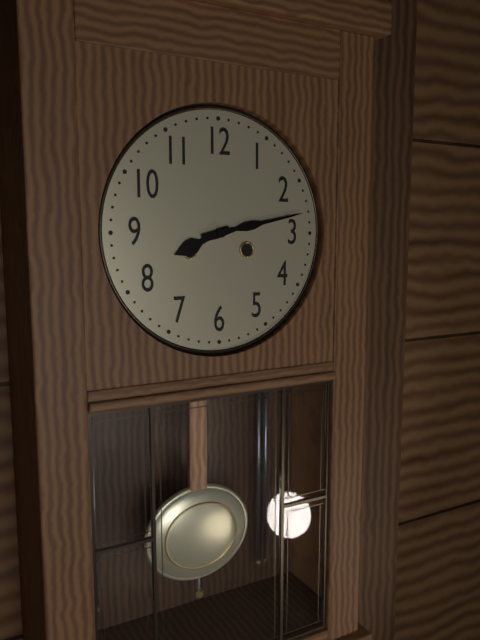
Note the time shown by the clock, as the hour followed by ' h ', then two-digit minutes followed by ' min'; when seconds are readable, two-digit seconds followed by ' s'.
8 h 13 min
